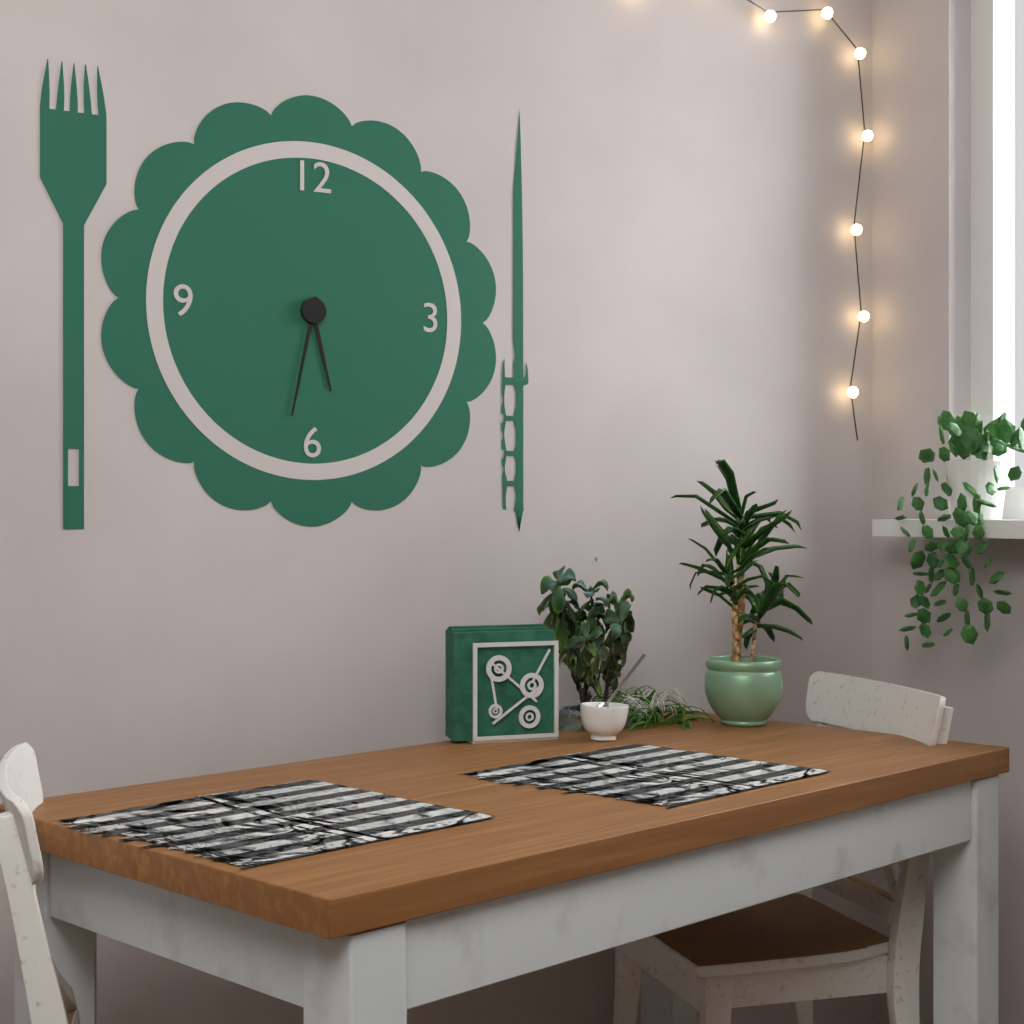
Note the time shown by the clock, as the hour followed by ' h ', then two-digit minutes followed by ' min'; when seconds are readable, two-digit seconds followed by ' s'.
5 h 32 min
